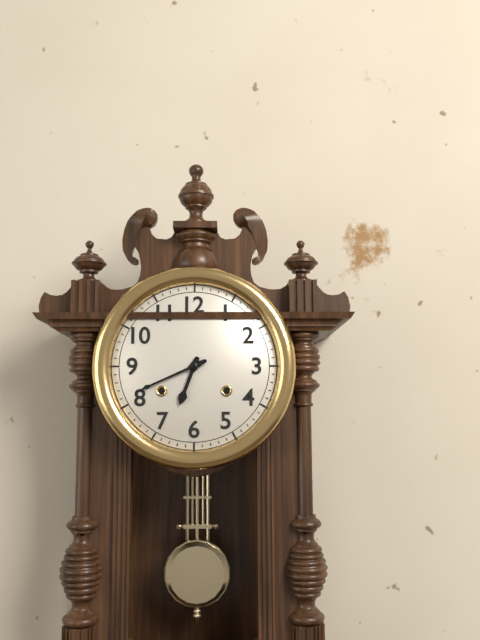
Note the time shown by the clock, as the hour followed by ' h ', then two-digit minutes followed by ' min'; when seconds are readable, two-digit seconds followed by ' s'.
6 h 41 min
